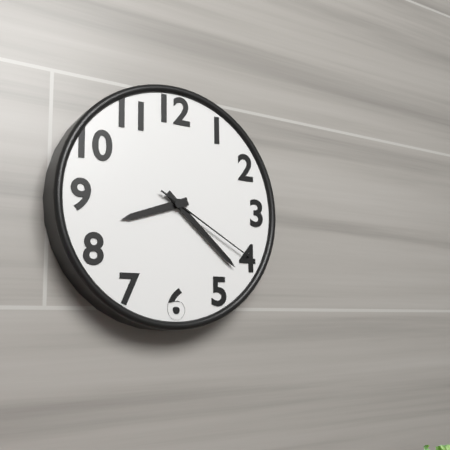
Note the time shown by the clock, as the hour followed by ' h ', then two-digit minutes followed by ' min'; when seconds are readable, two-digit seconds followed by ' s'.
8 h 22 min 20 s
